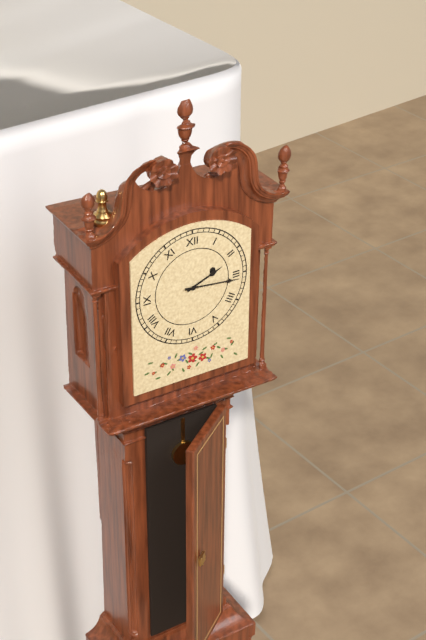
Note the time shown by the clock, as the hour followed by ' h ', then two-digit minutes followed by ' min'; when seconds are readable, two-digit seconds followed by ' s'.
2 h 16 min
